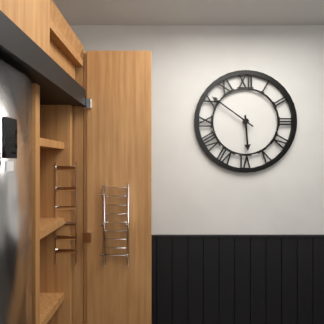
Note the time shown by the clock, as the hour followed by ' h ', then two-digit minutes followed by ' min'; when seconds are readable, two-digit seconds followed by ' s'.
5 h 51 min
